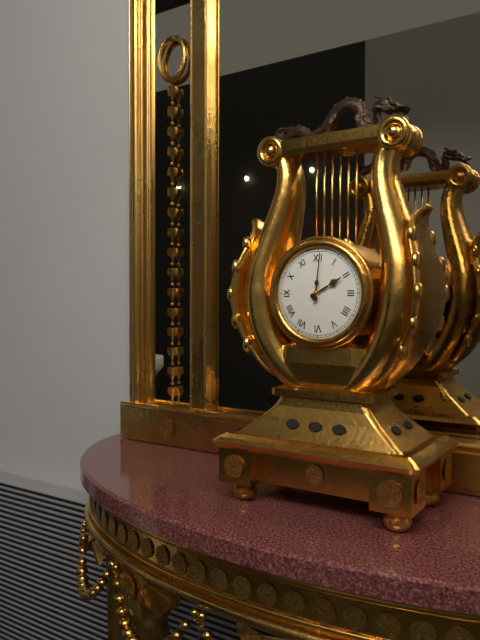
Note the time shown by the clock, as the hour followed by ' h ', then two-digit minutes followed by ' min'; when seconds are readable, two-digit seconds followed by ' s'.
2 h 01 min
